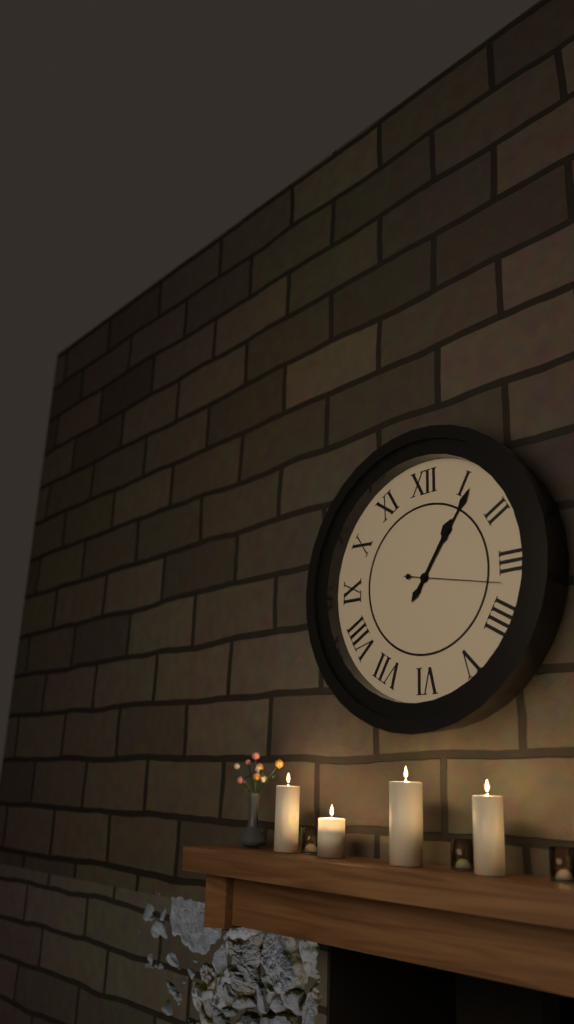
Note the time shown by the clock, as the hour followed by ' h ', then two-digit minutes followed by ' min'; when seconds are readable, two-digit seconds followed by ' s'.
1 h 06 min 17 s
